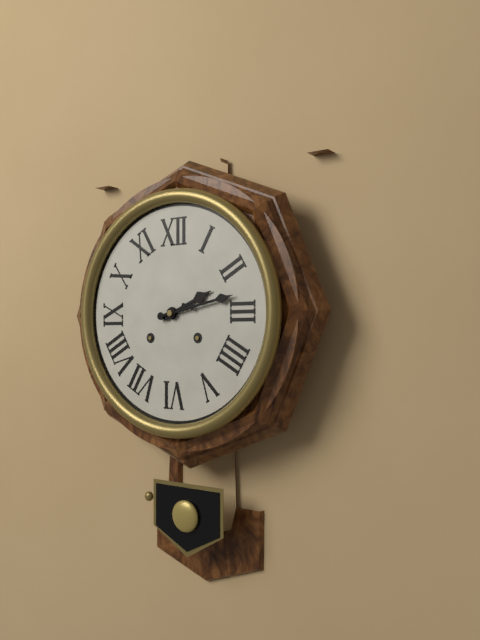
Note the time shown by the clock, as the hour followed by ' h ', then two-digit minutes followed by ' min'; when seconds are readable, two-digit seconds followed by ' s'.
2 h 13 min
